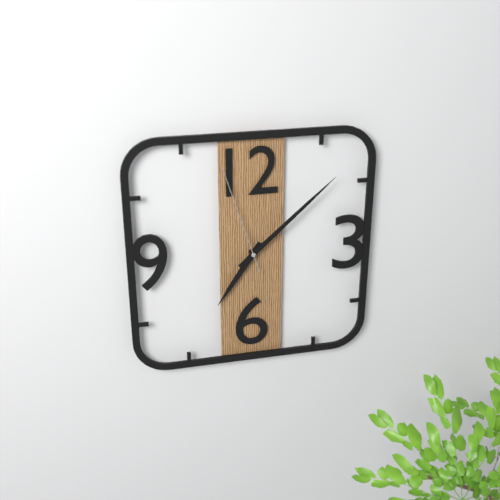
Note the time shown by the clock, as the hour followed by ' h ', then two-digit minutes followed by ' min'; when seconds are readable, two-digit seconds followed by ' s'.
7 h 08 min 57 s
